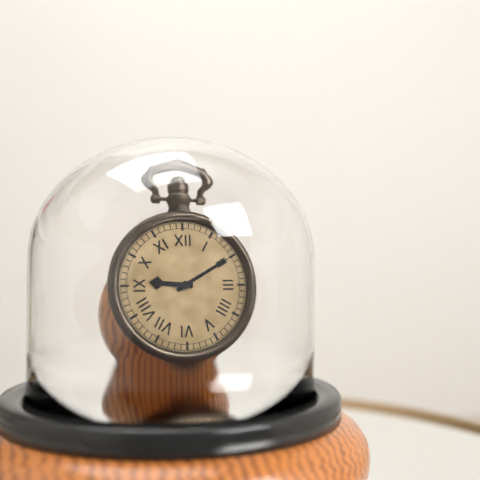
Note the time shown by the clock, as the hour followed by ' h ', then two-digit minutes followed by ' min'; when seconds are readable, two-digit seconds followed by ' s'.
9 h 10 min
